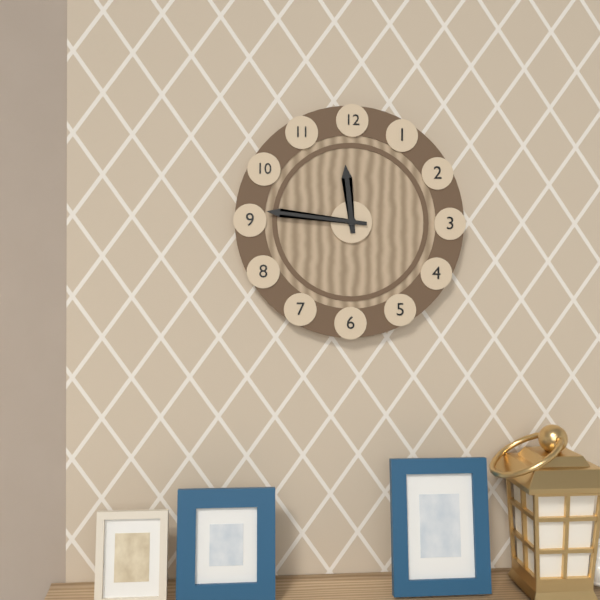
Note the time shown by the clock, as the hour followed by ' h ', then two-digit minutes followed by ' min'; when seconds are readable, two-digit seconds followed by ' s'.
11 h 46 min
